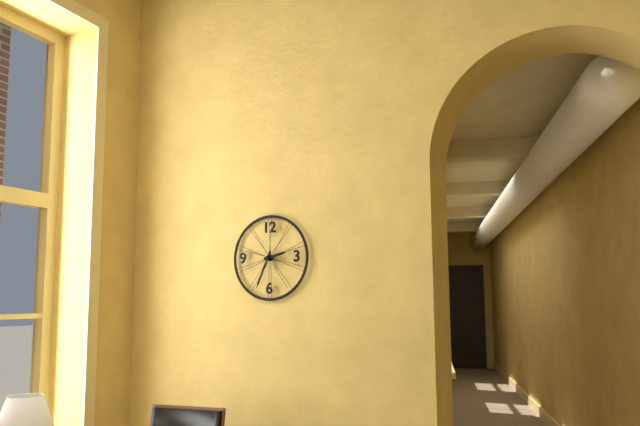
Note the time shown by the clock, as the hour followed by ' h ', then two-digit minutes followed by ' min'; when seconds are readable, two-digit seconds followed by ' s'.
2 h 34 min
